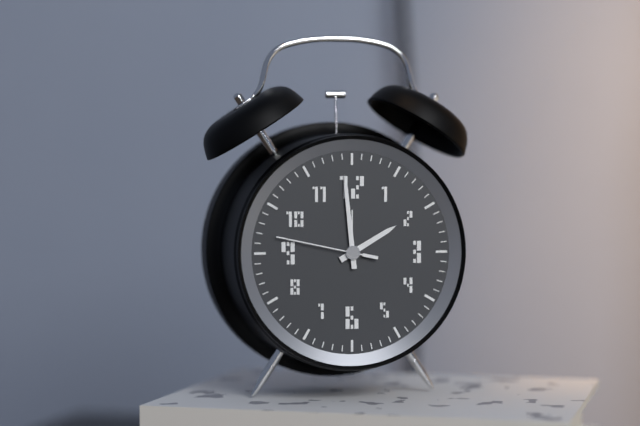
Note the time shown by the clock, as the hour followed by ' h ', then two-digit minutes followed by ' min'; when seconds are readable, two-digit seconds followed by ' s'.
1 h 59 min 47 s
